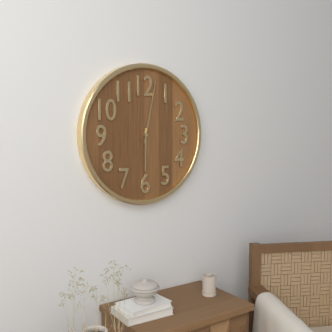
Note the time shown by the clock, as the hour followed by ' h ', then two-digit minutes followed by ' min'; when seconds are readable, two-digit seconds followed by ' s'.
6 h 02 min
